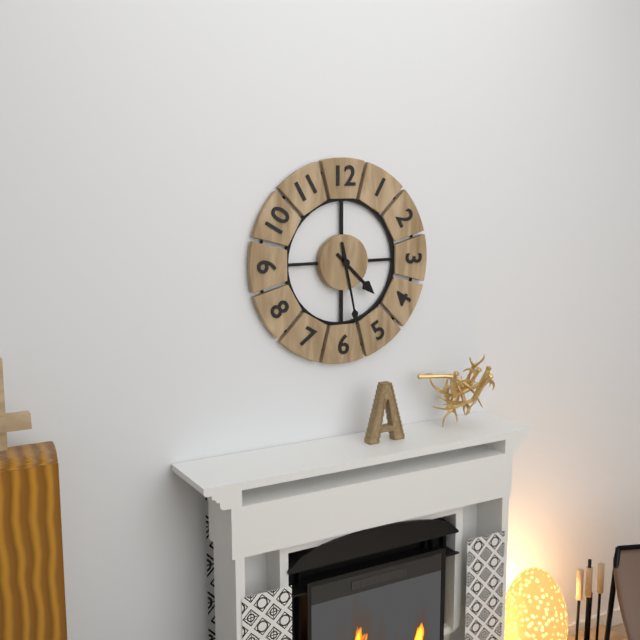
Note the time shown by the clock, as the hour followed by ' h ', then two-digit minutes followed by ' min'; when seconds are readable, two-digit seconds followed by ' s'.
4 h 28 min
